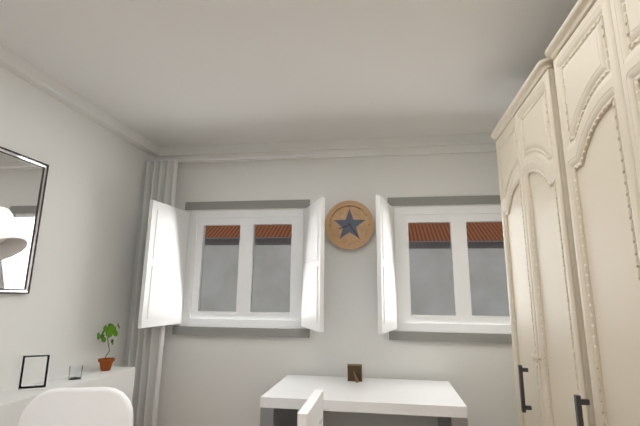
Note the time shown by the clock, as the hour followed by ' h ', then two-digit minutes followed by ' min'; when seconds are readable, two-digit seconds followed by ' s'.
8 h 24 min
